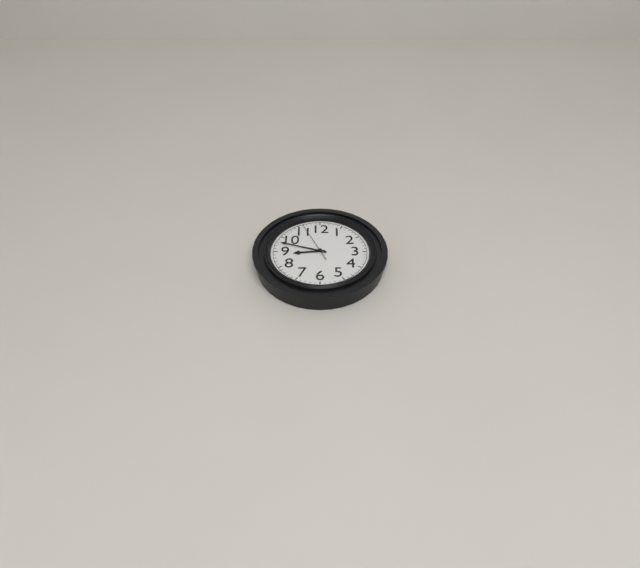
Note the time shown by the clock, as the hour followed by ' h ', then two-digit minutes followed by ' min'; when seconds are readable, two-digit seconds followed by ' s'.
8 h 48 min
